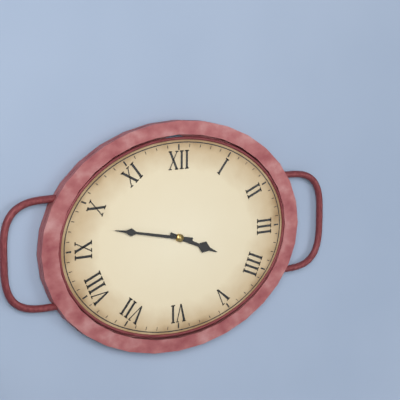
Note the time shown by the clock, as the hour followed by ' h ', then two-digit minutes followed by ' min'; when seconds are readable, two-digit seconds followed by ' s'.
3 h 47 min
